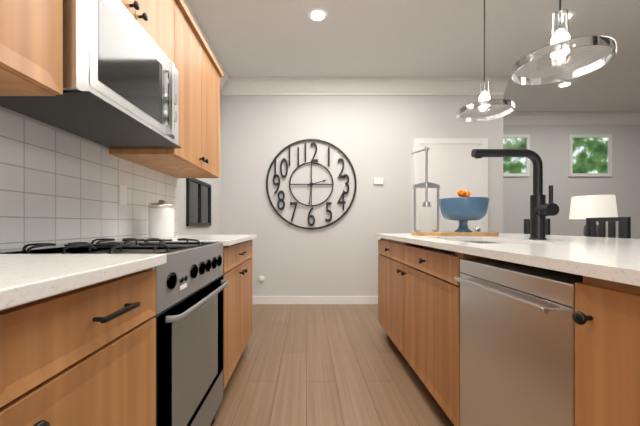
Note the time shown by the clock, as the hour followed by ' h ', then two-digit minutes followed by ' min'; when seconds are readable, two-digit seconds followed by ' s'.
2 h 31 min
